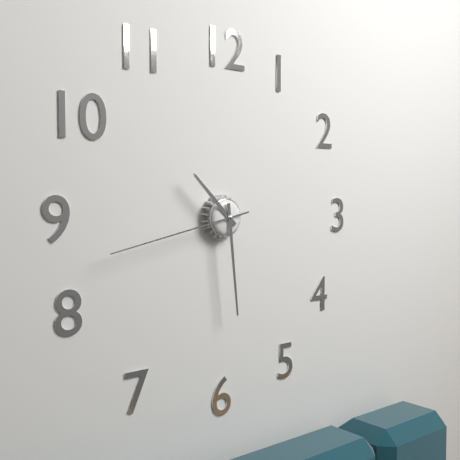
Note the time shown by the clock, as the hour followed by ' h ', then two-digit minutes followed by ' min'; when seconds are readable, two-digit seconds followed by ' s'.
10 h 29 min 43 s
